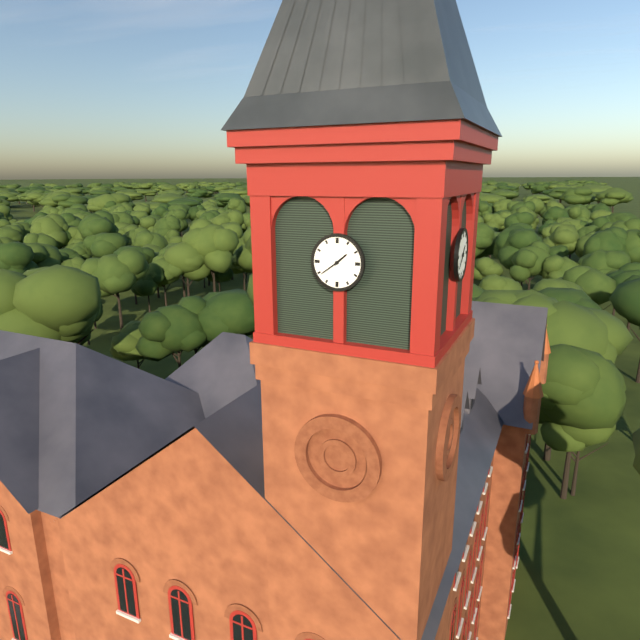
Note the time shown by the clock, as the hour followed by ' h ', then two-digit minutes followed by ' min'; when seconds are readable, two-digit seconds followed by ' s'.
1 h 39 min
